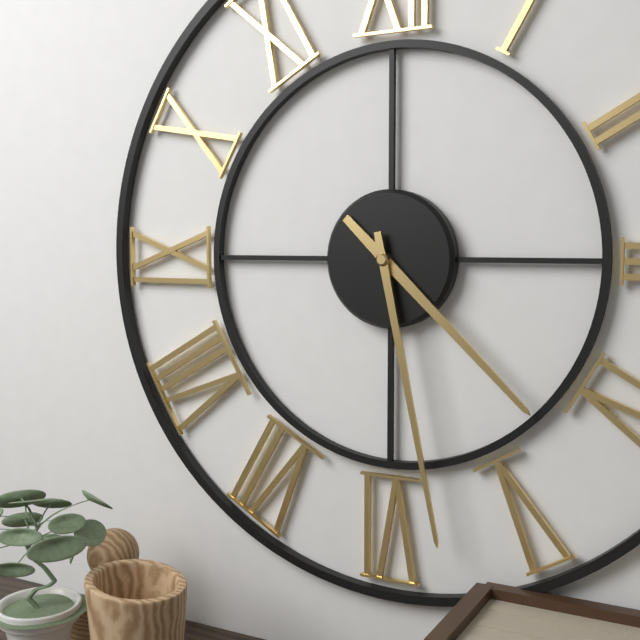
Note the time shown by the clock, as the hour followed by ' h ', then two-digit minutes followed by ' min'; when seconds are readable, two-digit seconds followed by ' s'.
4 h 28 min
